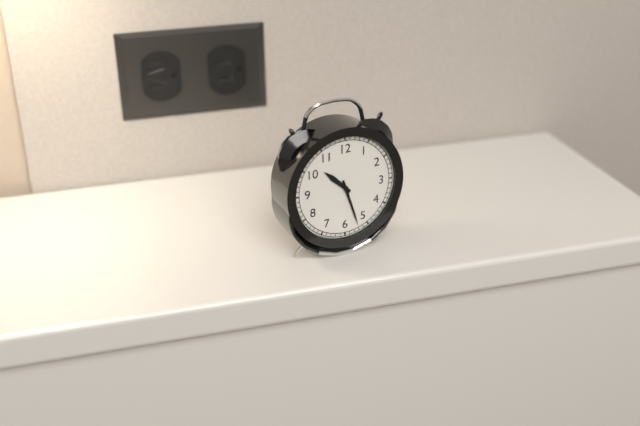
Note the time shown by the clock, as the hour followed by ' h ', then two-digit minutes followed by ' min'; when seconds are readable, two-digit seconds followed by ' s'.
10 h 27 min
